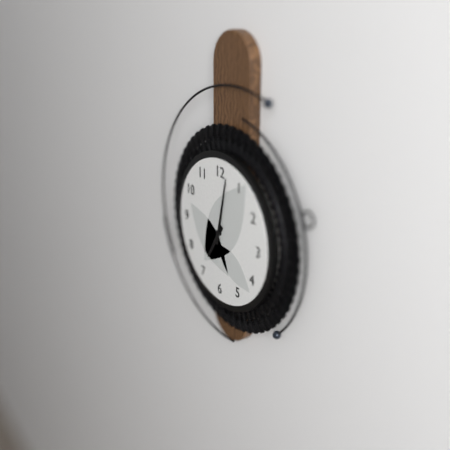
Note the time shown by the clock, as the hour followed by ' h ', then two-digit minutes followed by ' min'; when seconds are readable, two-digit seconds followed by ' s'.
7 h 02 min
